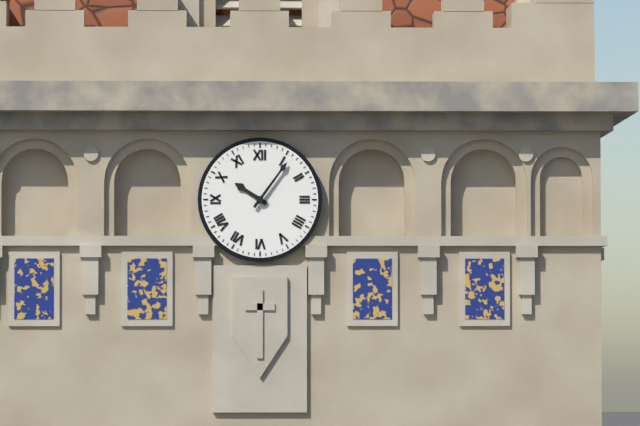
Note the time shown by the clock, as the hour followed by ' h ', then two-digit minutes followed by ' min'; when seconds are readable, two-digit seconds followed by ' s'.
10 h 06 min
